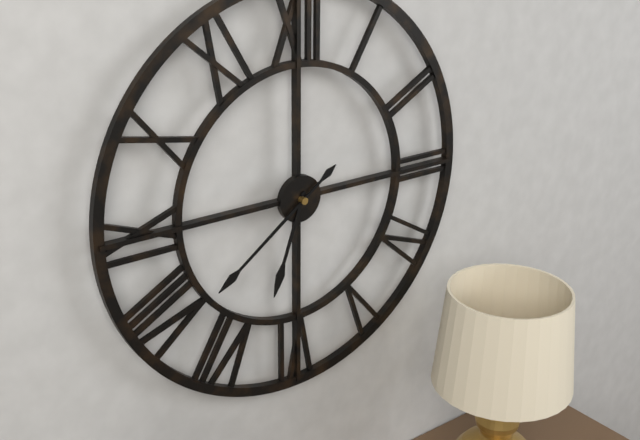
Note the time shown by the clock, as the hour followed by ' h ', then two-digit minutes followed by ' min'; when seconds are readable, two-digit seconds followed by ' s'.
6 h 39 min
